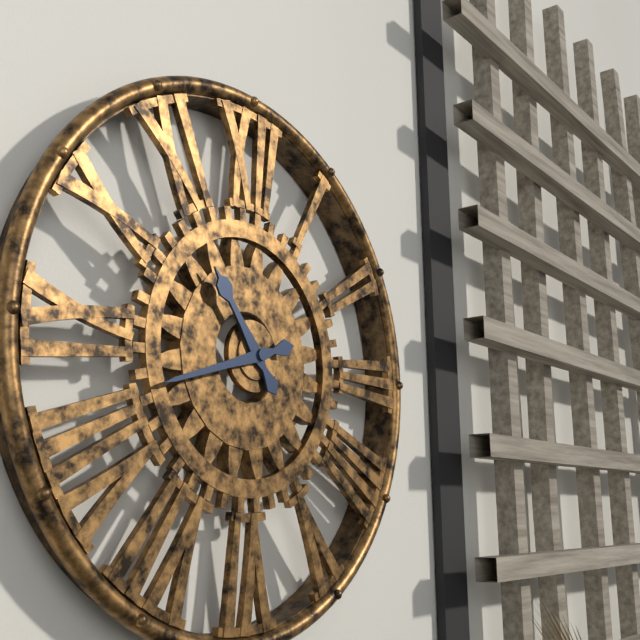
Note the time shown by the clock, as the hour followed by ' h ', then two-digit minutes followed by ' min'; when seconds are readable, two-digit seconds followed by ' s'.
10 h 42 min
